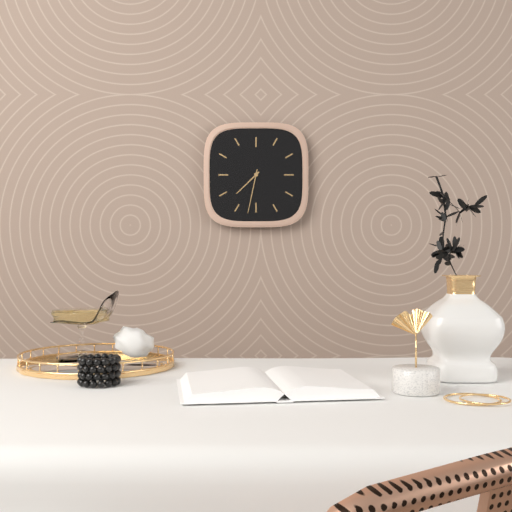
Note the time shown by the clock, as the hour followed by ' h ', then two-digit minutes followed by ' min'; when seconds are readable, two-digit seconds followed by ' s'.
7 h 32 min
